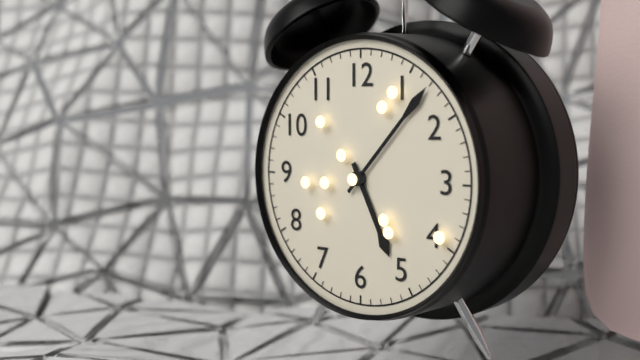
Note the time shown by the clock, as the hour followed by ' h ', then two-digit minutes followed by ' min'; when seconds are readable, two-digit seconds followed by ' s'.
5 h 07 min
